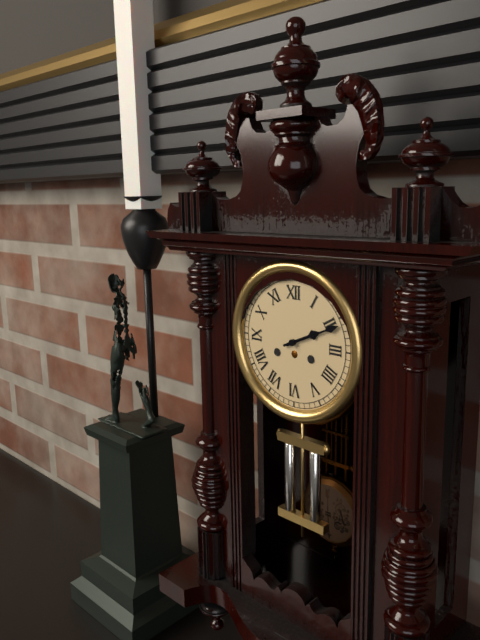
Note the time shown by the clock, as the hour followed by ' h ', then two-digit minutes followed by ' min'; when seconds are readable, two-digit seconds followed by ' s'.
2 h 11 min
